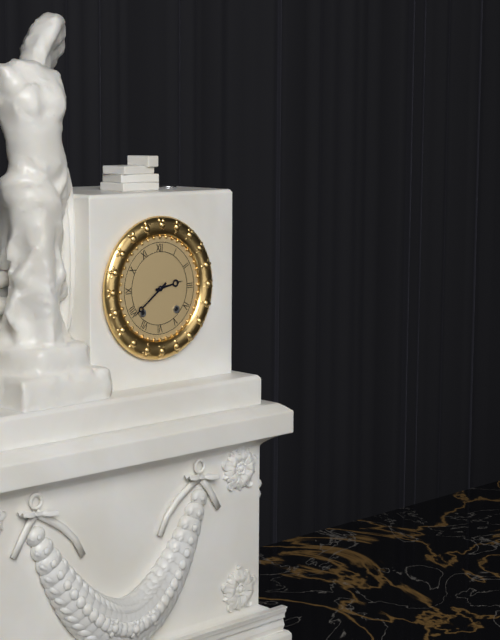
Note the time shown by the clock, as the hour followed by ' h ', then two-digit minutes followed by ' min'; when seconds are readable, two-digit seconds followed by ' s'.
2 h 39 min
